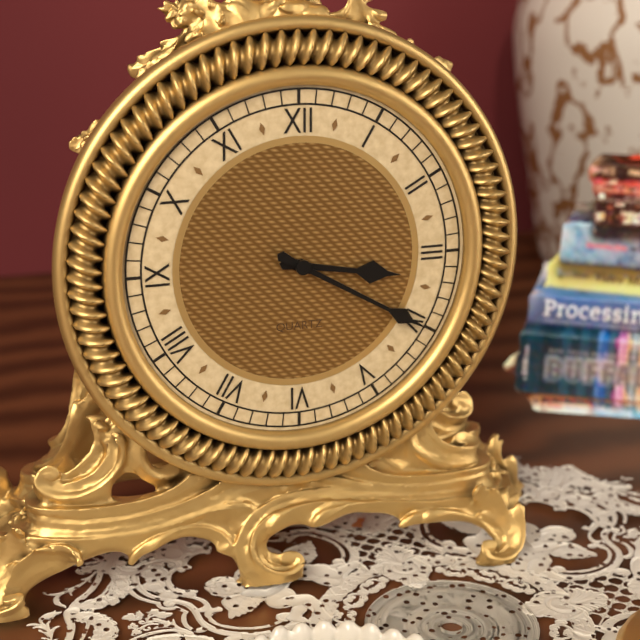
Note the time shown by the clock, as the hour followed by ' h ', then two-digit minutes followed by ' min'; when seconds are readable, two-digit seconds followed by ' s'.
3 h 20 min
